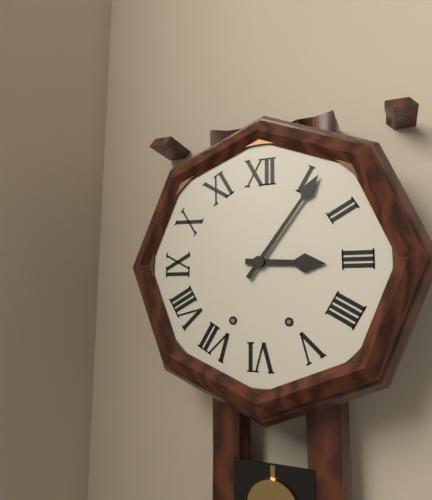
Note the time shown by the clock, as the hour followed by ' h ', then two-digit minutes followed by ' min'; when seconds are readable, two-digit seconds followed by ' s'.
3 h 06 min
